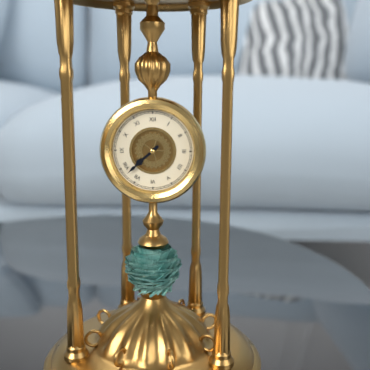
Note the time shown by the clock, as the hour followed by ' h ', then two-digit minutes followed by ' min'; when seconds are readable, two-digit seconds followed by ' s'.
7 h 38 min
